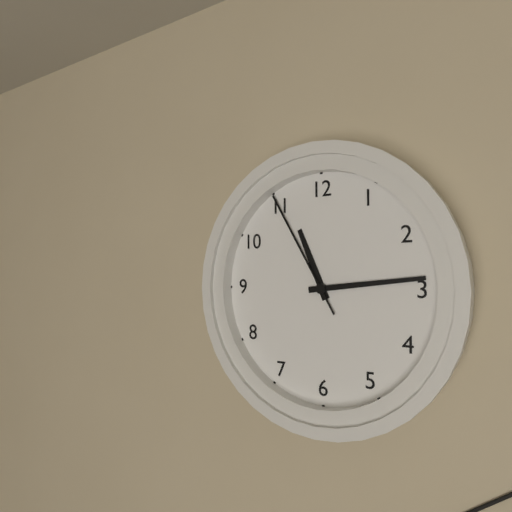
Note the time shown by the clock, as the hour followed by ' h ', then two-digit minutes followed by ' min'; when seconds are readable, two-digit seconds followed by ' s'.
11 h 14 min 55 s
